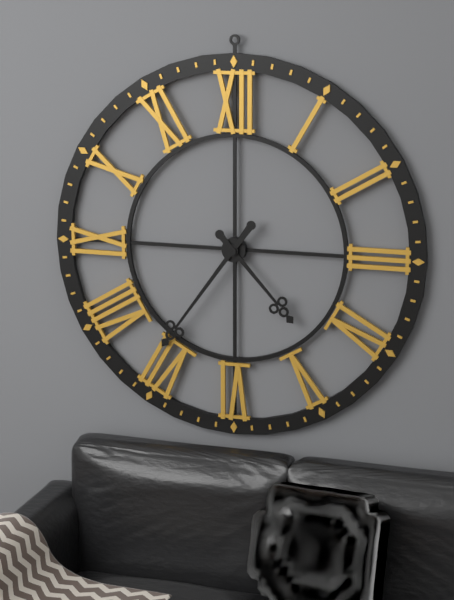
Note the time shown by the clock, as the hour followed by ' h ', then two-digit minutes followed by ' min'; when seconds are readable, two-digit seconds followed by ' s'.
4 h 36 min
